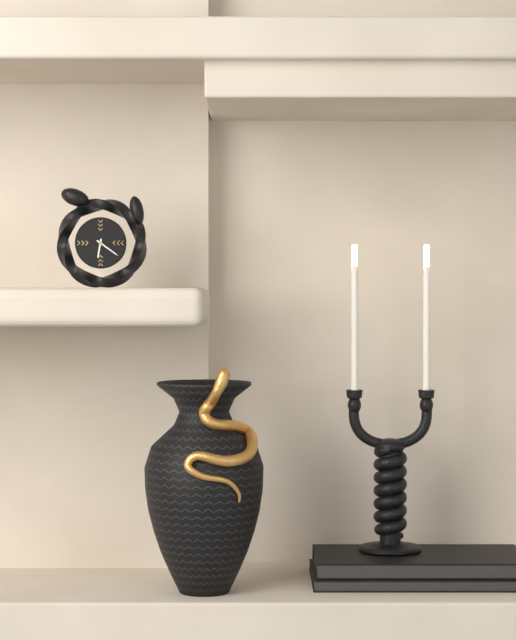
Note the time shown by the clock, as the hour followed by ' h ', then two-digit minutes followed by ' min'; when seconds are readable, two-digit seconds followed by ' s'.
6 h 21 min
